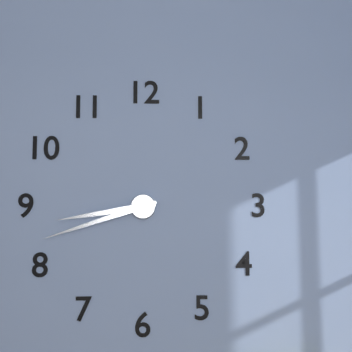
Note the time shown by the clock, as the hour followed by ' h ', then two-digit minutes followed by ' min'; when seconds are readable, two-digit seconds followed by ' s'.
8 h 42 min
